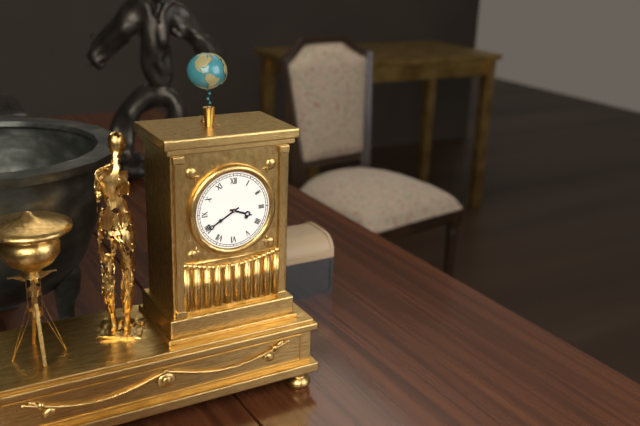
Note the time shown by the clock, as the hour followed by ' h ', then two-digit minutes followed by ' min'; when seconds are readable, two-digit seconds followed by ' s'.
3 h 40 min
